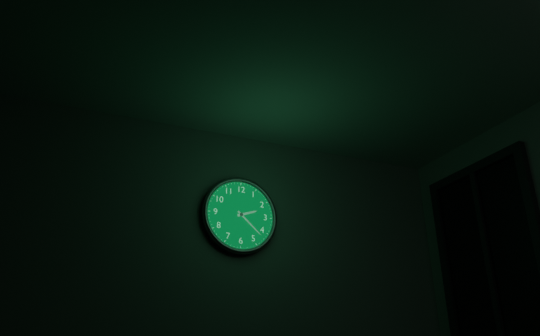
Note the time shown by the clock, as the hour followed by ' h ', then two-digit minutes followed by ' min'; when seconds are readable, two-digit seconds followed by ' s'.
2 h 22 min
